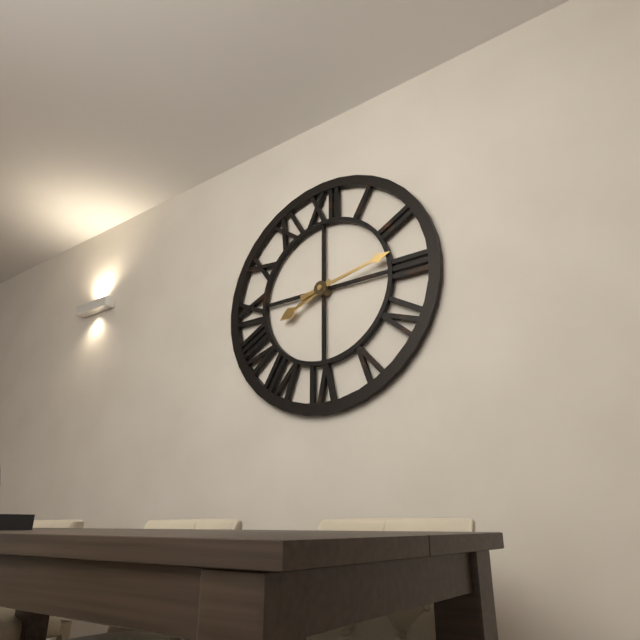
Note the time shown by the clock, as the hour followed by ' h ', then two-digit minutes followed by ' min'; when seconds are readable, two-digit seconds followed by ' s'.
8 h 13 min
